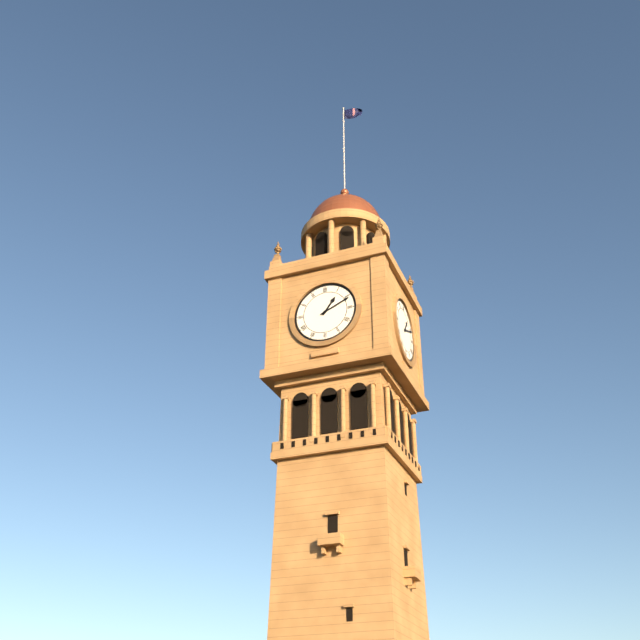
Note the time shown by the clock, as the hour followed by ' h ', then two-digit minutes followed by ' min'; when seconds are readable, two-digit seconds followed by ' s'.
1 h 11 min
